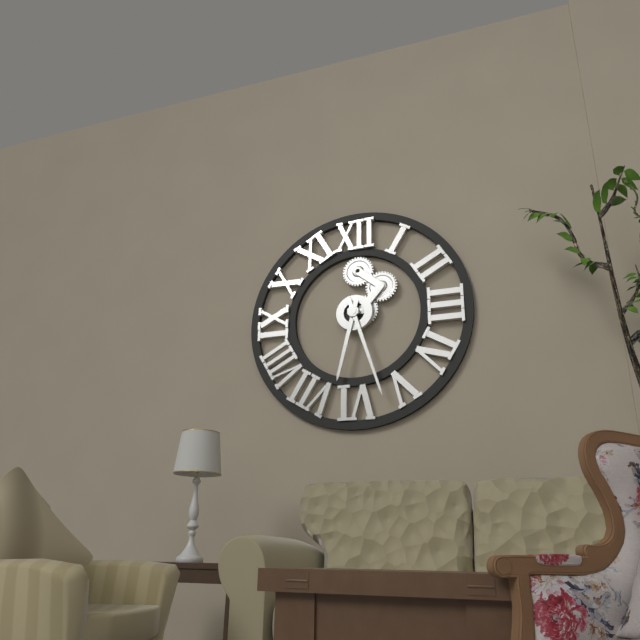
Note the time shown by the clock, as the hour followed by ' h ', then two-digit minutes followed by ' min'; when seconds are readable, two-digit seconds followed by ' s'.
6 h 27 min
